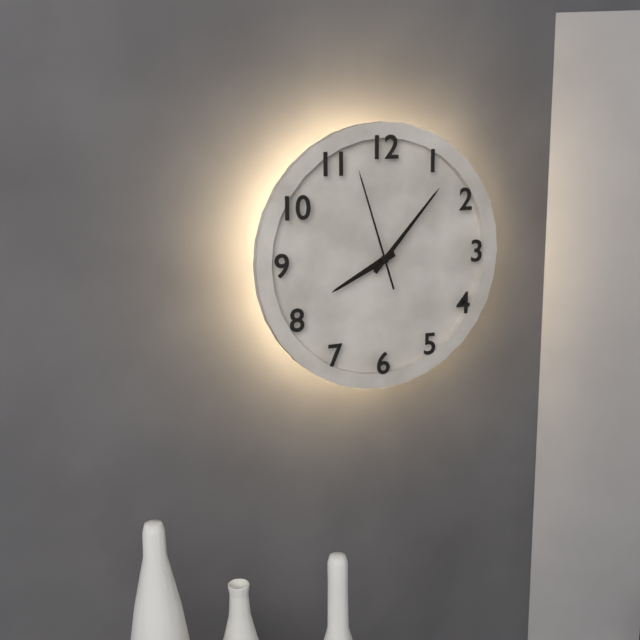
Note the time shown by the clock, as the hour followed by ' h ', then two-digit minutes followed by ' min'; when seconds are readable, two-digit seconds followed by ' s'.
8 h 07 min 57 s
